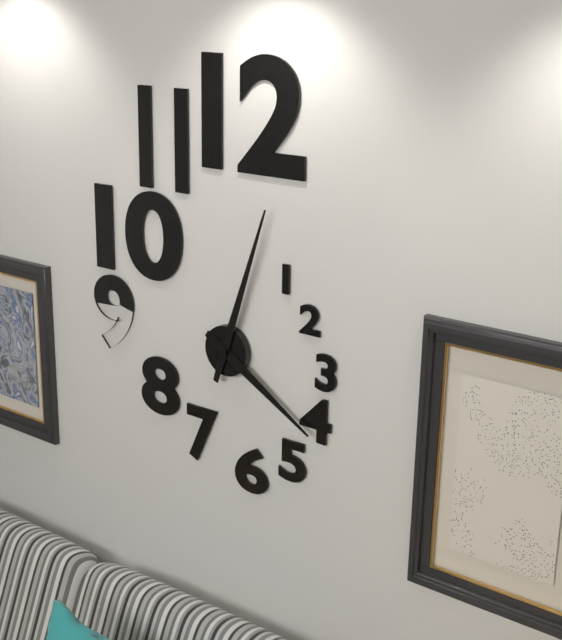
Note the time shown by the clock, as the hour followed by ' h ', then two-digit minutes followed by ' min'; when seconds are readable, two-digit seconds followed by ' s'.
4 h 03 min
